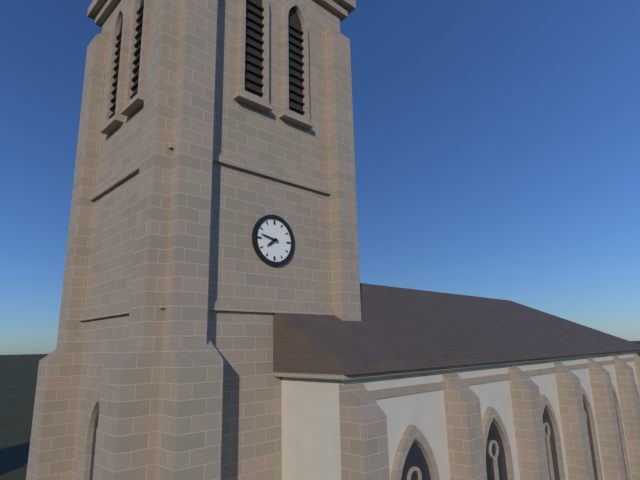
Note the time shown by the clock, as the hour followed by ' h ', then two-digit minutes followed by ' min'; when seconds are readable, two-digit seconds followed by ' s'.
7 h 47 min
